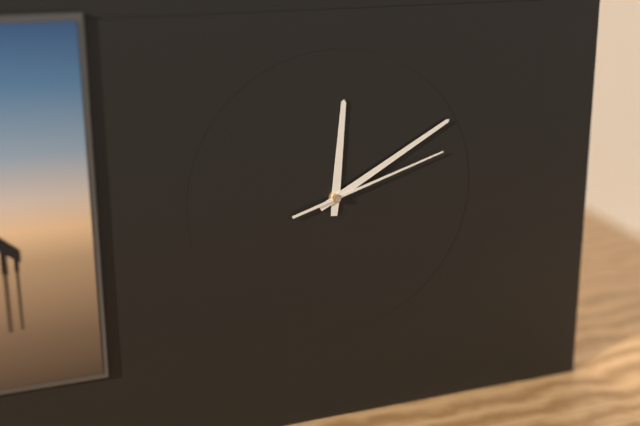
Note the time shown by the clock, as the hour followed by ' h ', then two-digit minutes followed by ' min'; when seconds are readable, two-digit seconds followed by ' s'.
12 h 10 min 12 s
